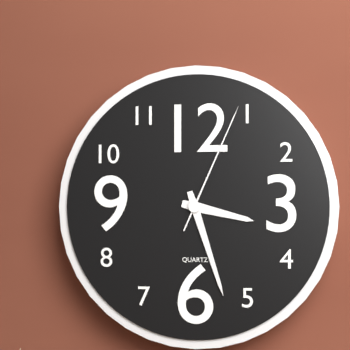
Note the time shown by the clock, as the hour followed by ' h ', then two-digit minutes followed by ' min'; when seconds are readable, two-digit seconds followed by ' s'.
3 h 27 min 04 s
